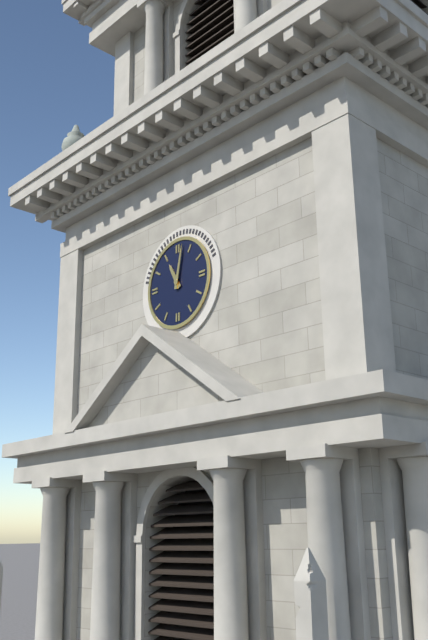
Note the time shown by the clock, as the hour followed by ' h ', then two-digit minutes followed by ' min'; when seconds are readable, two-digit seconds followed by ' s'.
11 h 02 min
